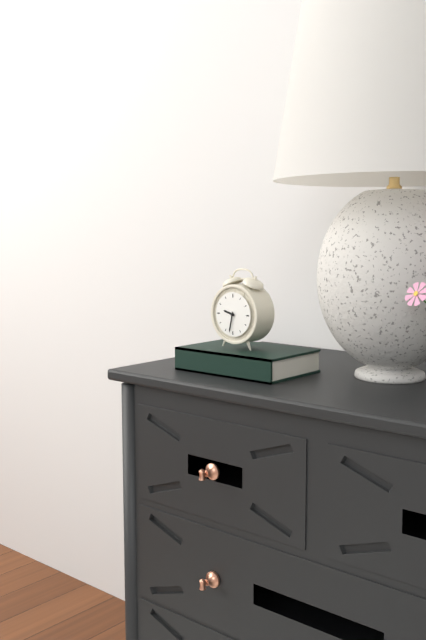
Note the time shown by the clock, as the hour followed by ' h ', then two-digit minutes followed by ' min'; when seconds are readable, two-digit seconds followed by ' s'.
9 h 32 min
